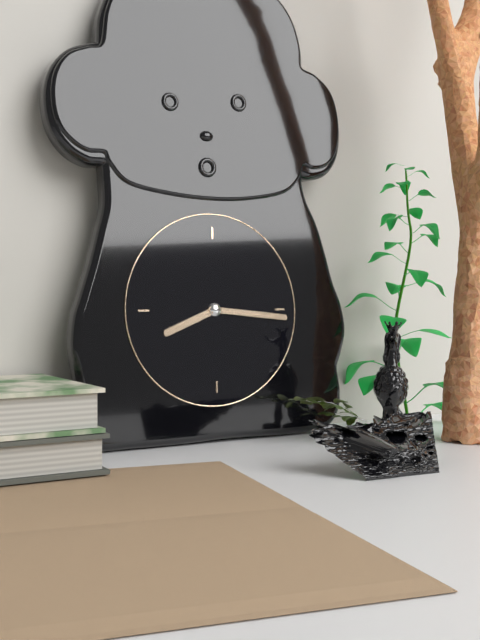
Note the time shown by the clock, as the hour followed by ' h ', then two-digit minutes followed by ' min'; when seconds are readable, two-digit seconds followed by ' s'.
8 h 16 min
